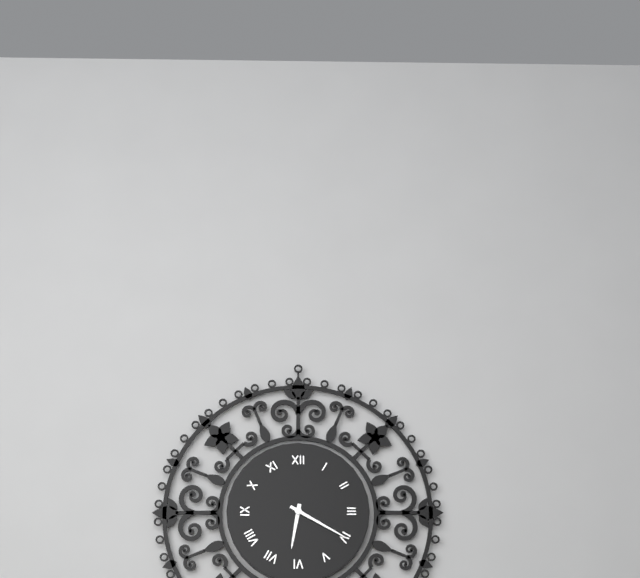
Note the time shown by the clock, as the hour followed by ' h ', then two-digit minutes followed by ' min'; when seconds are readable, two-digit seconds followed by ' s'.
6 h 20 min
